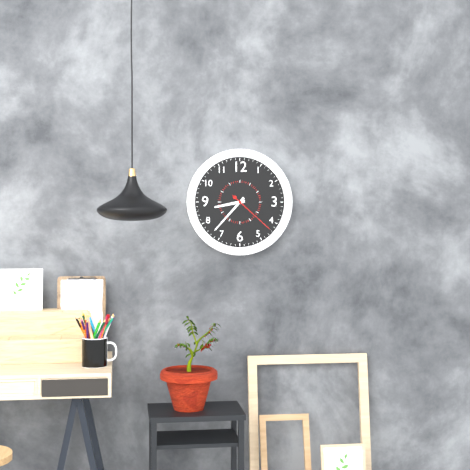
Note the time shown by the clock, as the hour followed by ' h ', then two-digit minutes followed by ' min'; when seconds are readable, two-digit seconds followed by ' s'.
8 h 37 min 22 s
